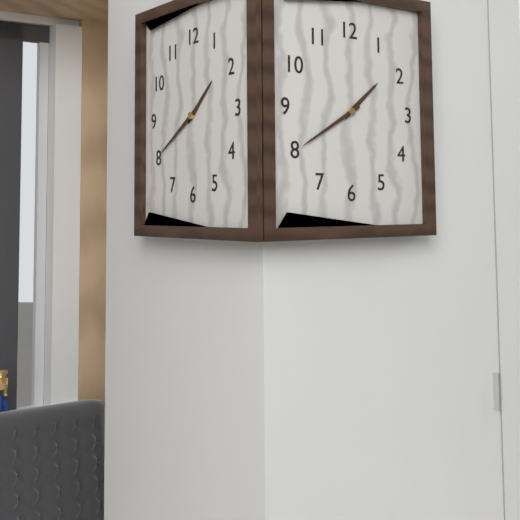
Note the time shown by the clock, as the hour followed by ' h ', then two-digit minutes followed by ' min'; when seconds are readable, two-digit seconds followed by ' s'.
1 h 40 min
